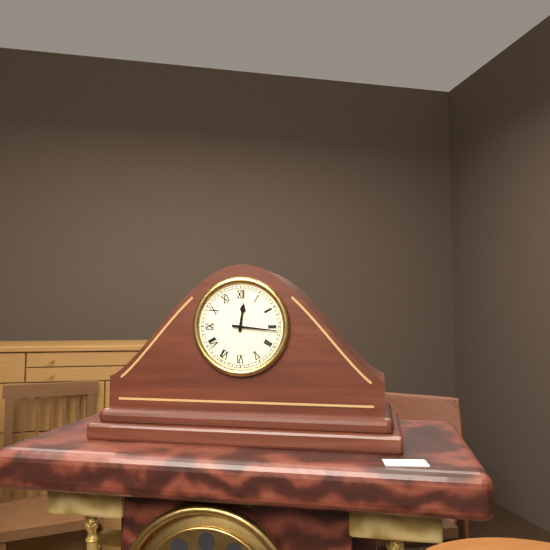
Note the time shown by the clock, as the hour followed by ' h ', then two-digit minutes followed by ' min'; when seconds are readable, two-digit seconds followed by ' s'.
12 h 16 min
